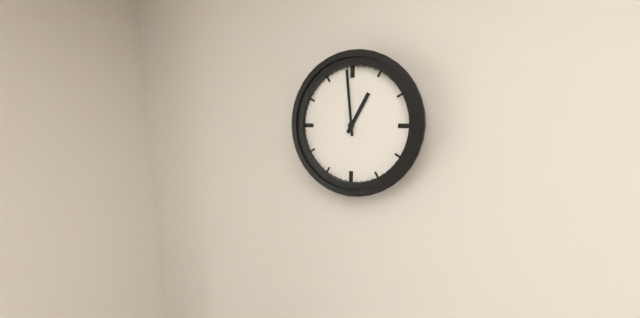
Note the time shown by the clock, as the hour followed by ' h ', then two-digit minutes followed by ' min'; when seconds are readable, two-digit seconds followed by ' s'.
12 h 59 min
